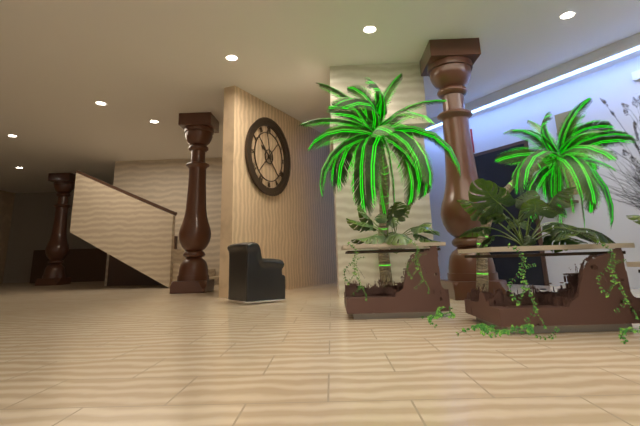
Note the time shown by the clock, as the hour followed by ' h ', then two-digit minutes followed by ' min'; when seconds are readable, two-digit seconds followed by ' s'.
9 h 58 min
